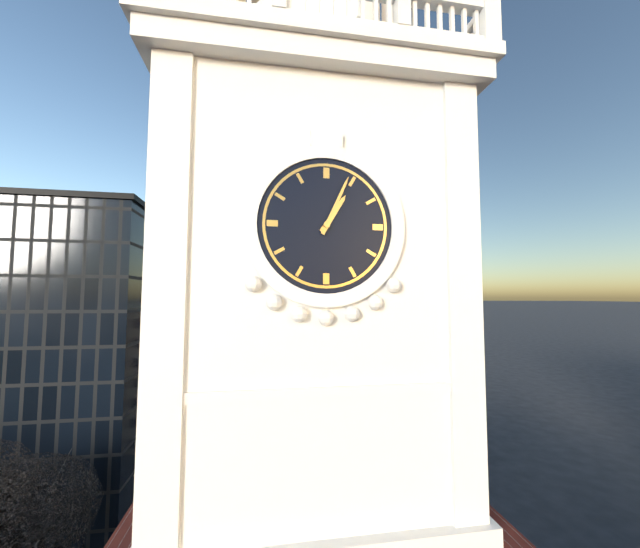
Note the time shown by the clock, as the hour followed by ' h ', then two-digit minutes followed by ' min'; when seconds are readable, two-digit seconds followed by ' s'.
1 h 04 min
